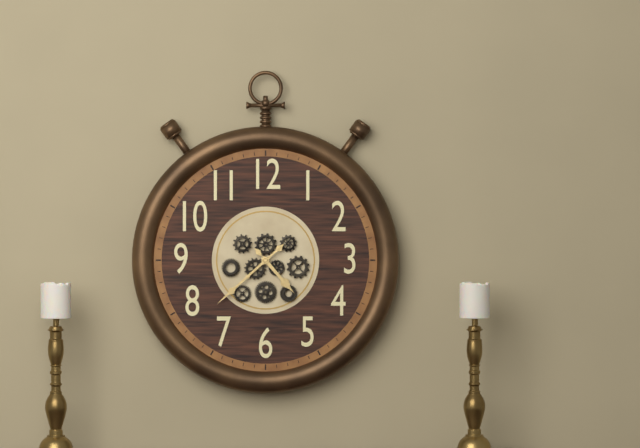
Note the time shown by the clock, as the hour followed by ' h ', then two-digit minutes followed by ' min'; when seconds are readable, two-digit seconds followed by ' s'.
4 h 38 min
